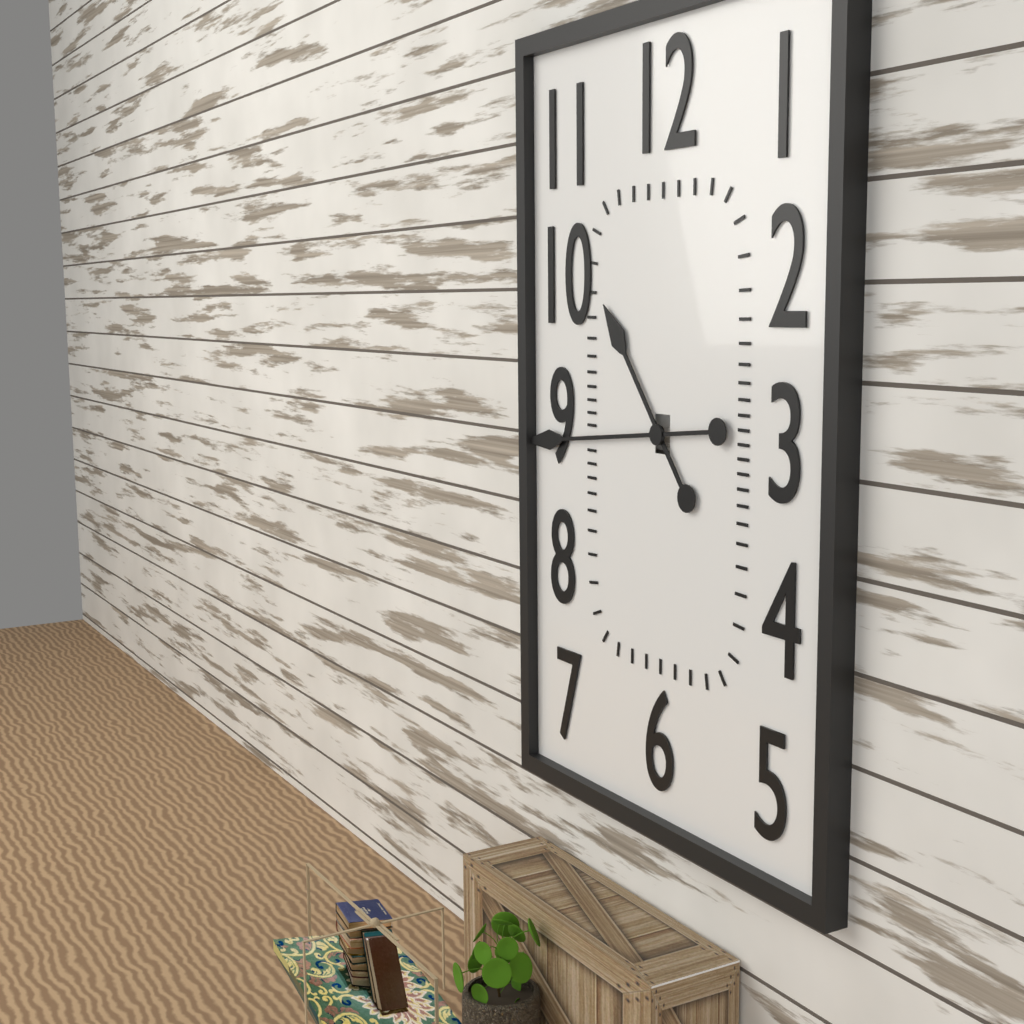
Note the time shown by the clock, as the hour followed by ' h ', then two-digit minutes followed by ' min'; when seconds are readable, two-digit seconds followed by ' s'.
10 h 44 min
